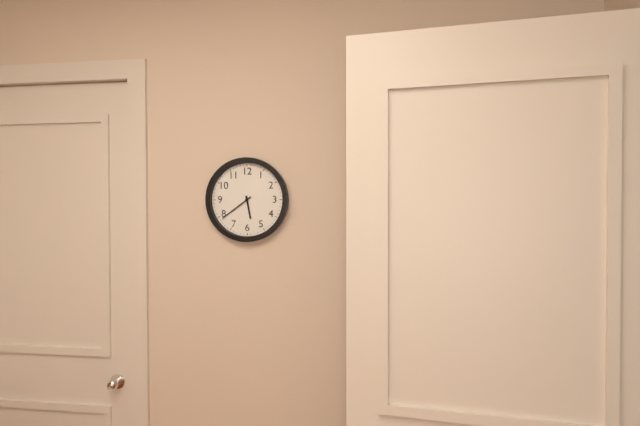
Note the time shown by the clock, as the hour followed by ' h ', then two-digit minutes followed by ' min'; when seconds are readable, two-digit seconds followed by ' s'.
5 h 39 min
